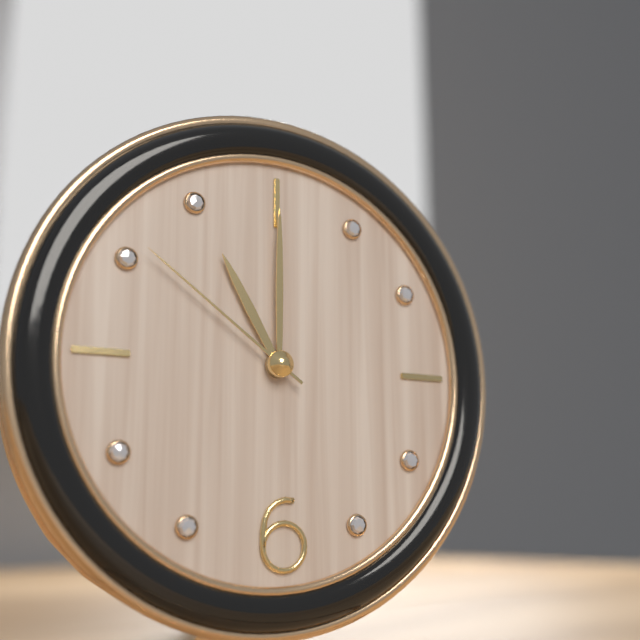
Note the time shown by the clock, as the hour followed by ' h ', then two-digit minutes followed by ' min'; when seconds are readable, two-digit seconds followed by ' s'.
11 h 00 min 51 s
